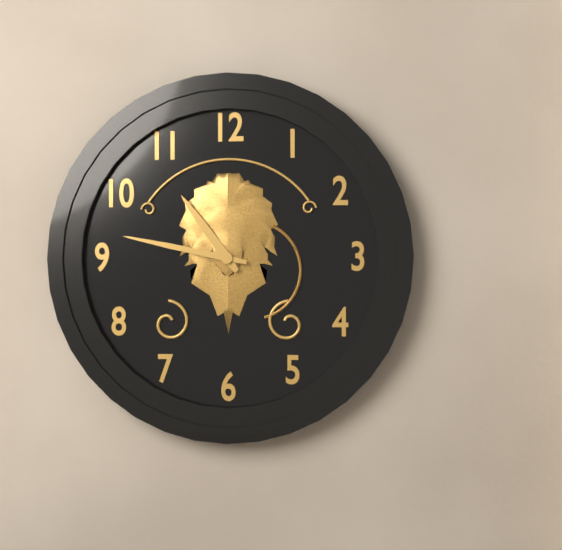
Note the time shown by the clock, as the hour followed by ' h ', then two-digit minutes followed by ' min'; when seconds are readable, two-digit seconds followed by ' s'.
10 h 47 min
